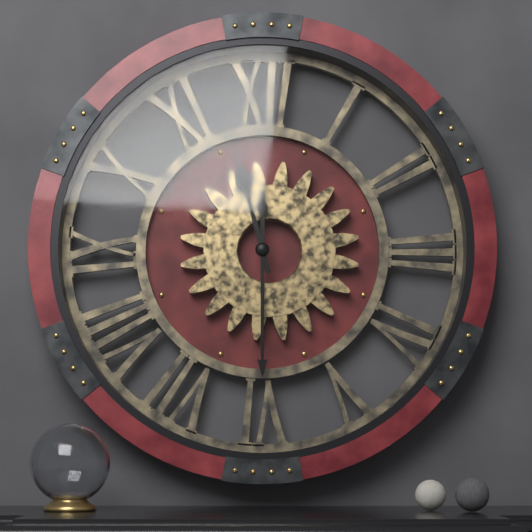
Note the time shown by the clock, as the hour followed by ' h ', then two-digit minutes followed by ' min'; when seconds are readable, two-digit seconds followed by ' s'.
11 h 30 min
